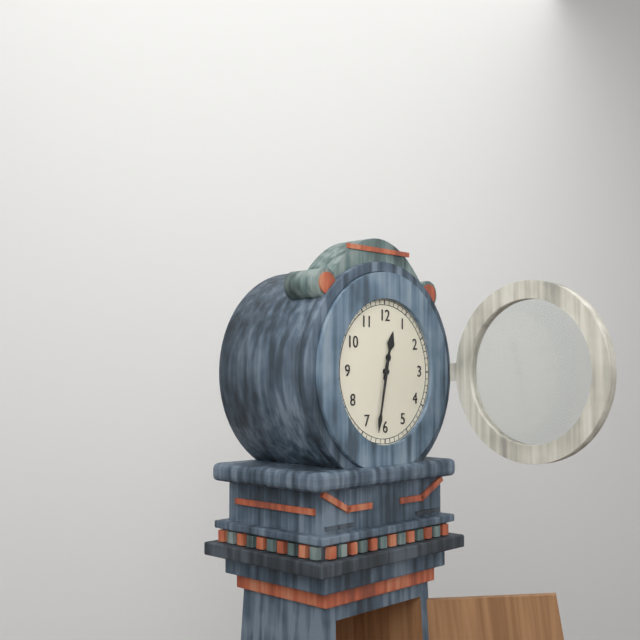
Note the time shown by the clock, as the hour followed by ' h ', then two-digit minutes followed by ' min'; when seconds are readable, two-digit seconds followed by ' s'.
12 h 32 min
